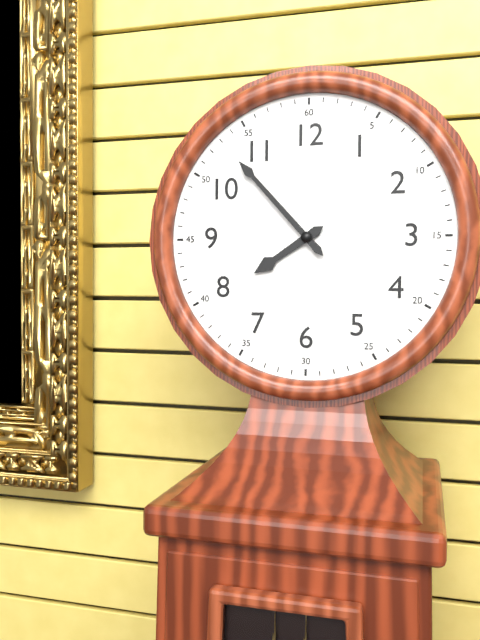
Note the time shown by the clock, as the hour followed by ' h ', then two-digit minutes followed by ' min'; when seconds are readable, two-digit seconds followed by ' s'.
7 h 53 min
